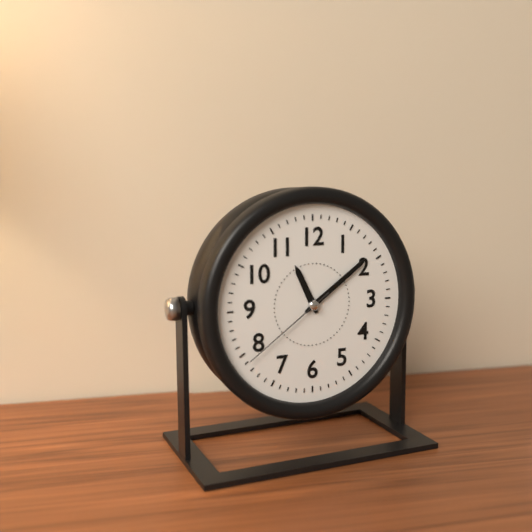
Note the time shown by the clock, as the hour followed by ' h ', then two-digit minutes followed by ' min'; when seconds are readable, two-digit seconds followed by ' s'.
11 h 09 min 39 s
